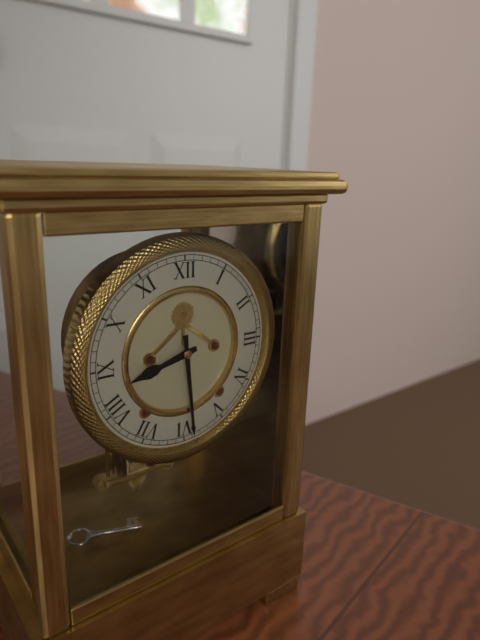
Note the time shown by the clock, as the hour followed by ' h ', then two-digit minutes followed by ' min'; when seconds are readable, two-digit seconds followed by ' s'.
8 h 29 min
